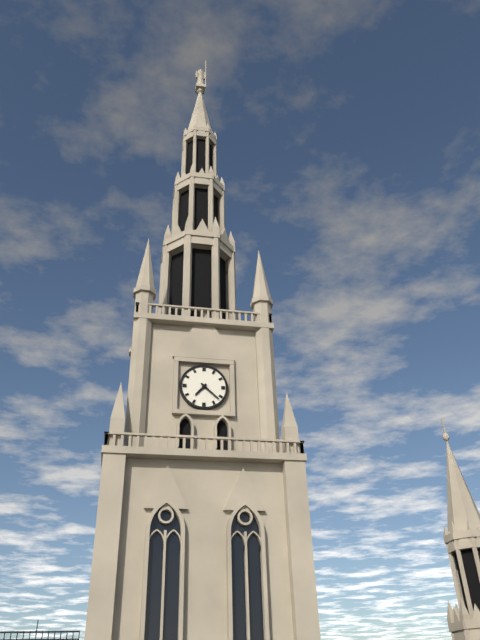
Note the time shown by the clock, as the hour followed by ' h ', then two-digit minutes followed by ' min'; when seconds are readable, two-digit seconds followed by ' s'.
7 h 22 min
